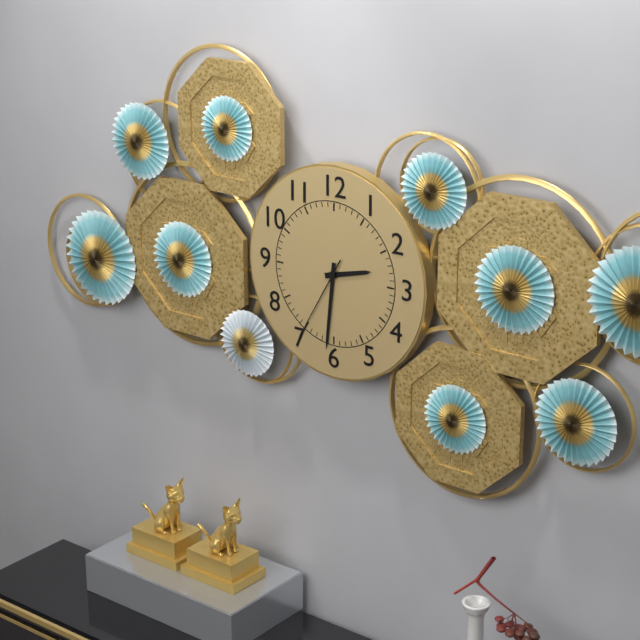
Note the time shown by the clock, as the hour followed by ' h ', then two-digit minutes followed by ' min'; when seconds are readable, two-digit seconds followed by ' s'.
2 h 31 min 35 s
